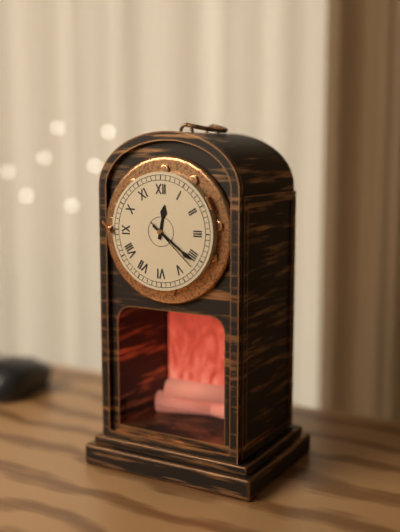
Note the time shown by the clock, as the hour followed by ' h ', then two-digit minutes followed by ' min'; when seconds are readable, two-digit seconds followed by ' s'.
12 h 21 min 22 s
